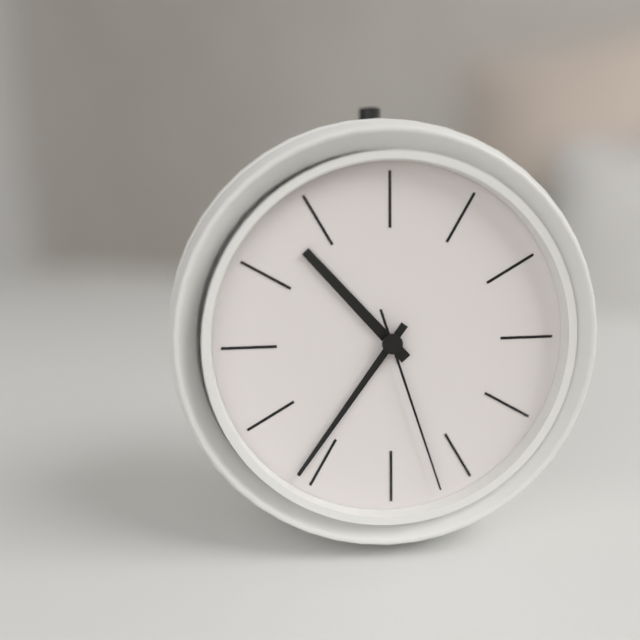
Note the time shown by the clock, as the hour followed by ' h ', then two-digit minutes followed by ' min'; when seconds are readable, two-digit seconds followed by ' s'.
10 h 36 min 27 s
